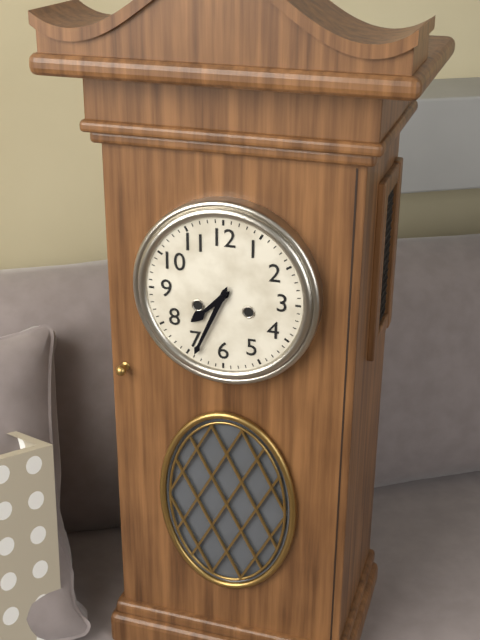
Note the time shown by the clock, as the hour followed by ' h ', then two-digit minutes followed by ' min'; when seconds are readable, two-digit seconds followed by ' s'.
7 h 34 min
